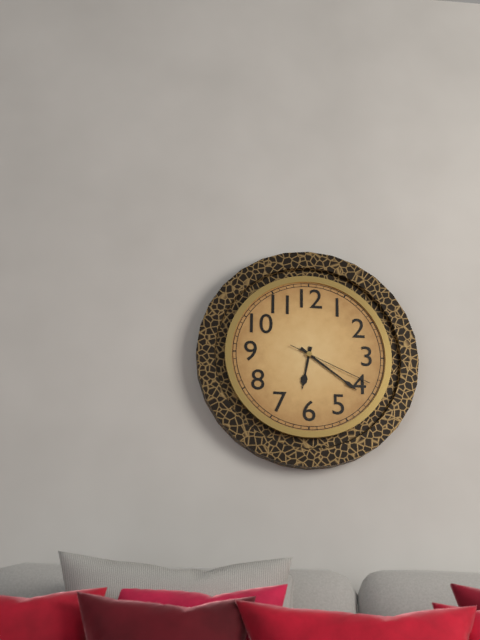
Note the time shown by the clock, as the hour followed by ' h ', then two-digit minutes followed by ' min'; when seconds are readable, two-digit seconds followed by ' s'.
6 h 21 min 19 s
